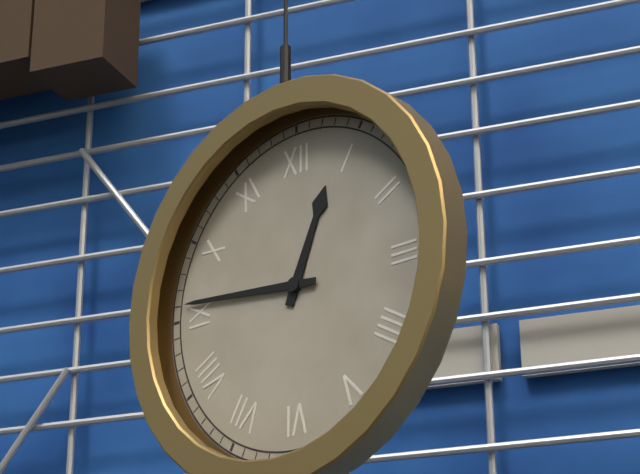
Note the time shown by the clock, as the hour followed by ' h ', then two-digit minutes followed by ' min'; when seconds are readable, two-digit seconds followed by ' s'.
12 h 46 min
